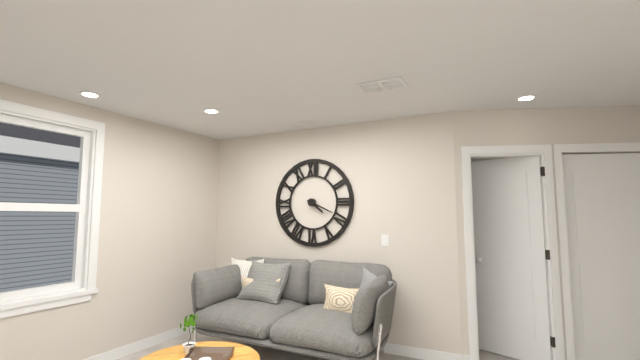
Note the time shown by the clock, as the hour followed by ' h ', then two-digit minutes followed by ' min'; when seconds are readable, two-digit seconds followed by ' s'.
4 h 19 min
